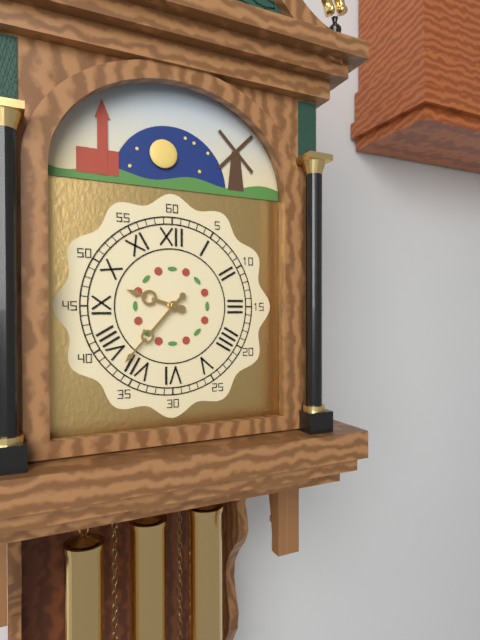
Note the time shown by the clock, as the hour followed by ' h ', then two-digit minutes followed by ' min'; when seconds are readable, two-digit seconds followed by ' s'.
9 h 37 min
